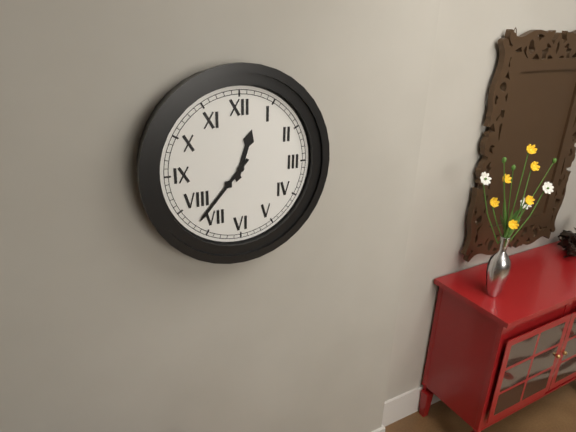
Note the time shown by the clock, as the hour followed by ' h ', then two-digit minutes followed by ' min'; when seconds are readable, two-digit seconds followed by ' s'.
12 h 37 min
